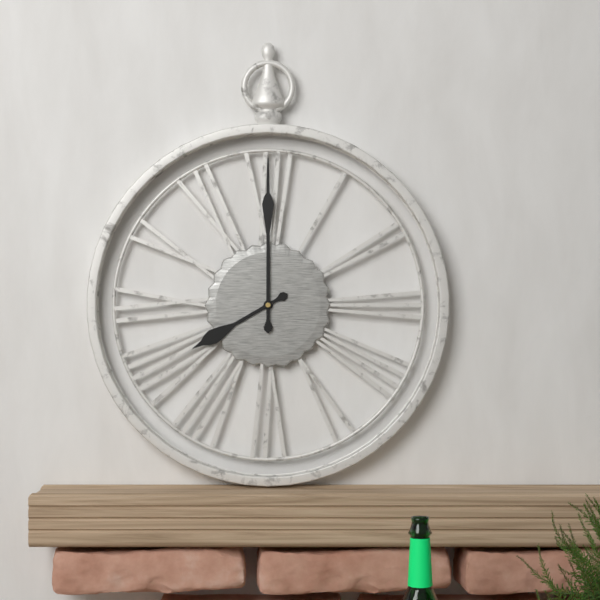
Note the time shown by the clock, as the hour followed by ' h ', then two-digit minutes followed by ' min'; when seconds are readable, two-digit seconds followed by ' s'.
8 h 00 min
